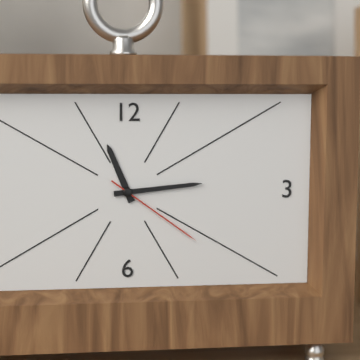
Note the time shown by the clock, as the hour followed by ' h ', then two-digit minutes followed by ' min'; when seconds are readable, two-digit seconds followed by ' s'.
11 h 14 min 21 s
